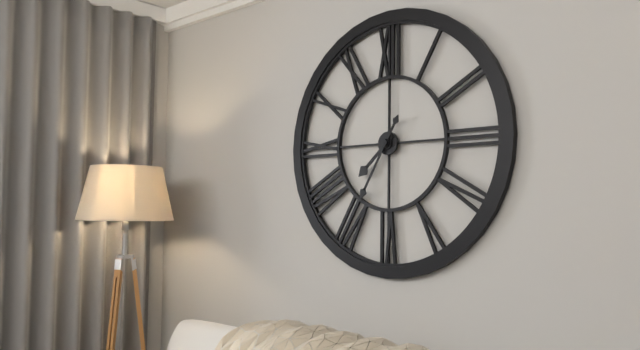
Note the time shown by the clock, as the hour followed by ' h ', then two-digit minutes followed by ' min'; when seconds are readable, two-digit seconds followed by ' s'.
7 h 35 min
